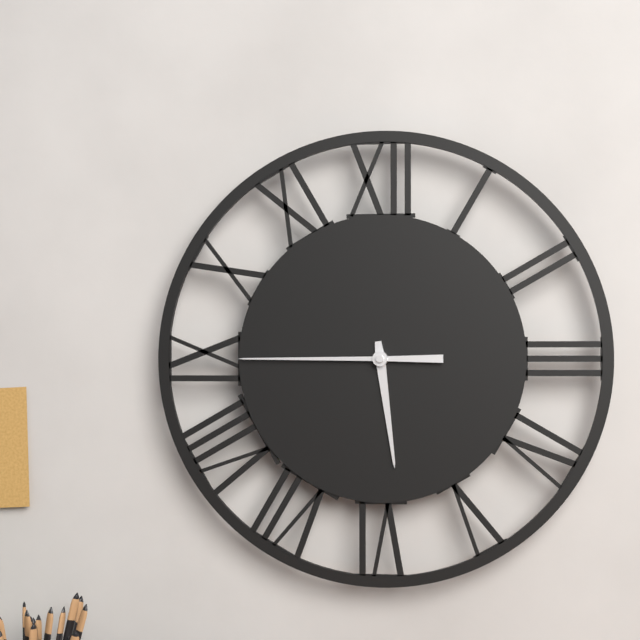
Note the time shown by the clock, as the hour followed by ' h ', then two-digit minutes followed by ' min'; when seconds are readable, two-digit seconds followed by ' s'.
5 h 45 min
